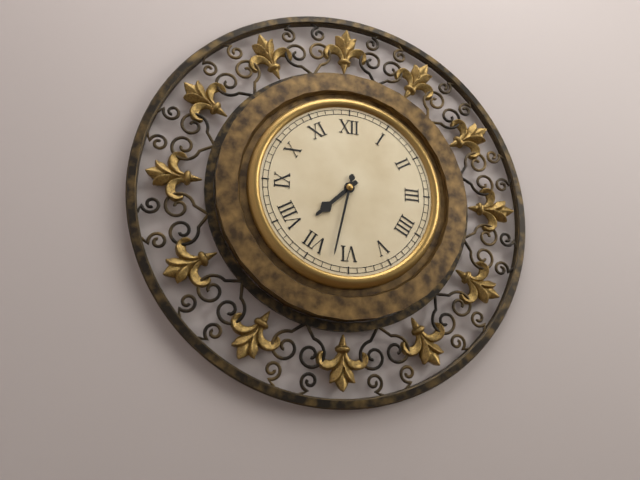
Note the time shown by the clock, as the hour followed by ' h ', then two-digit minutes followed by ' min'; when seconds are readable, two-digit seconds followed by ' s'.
7 h 32 min
